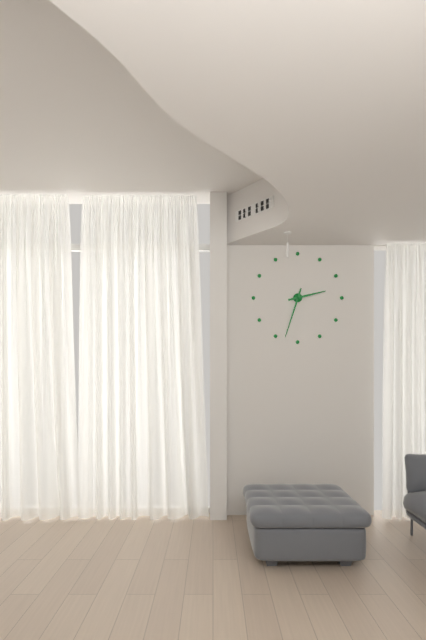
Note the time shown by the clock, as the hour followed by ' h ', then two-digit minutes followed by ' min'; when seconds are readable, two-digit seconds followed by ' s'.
2 h 33 min
